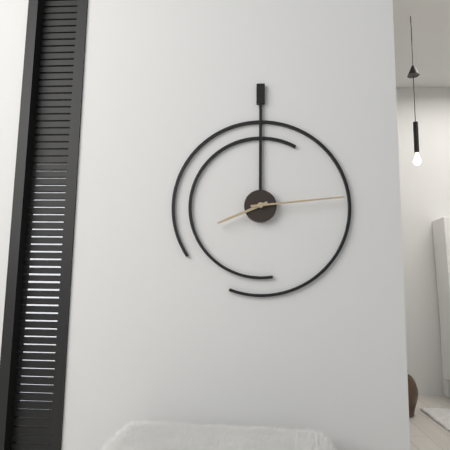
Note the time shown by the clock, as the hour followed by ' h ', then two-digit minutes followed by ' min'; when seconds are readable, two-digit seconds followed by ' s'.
8 h 14 min
